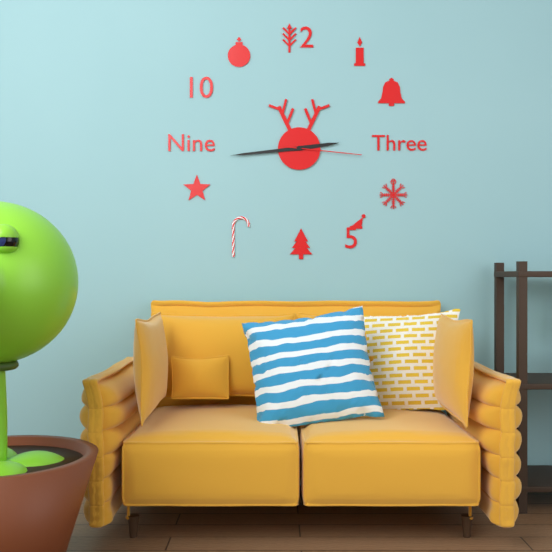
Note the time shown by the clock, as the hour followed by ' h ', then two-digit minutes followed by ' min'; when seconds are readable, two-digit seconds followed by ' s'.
2 h 44 min 16 s
